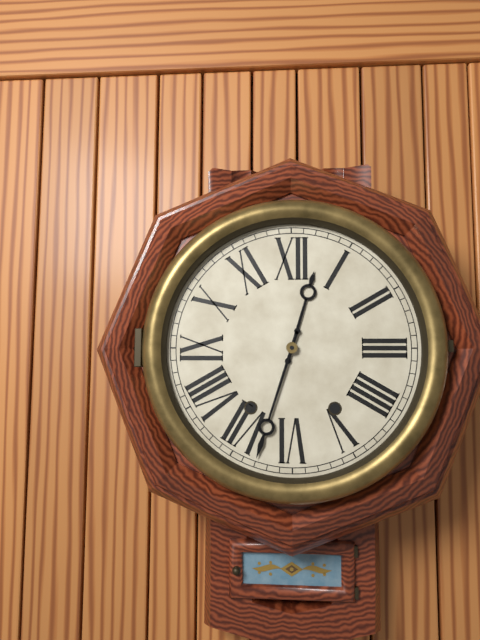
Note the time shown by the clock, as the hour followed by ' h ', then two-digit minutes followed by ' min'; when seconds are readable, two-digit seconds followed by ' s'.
12 h 33 min
